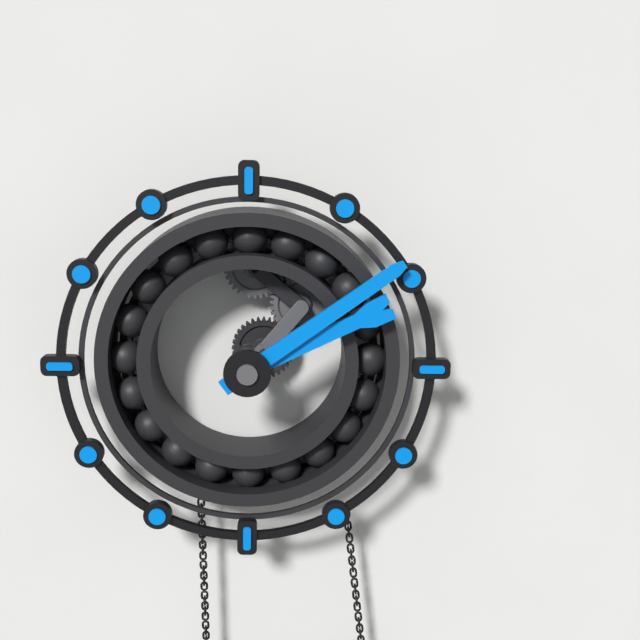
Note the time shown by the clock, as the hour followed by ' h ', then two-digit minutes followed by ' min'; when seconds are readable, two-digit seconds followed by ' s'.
2 h 09 min
